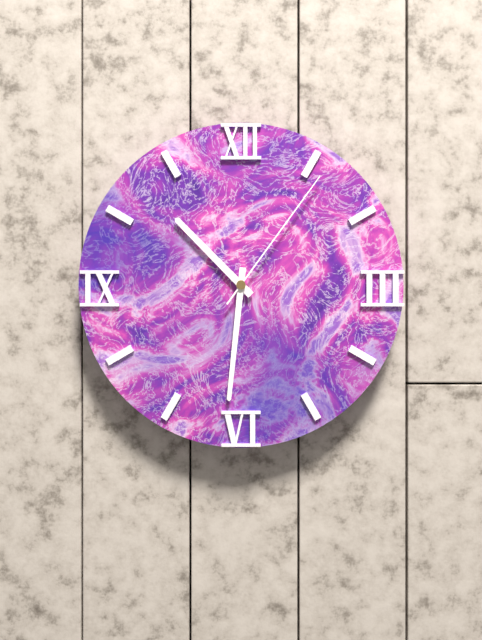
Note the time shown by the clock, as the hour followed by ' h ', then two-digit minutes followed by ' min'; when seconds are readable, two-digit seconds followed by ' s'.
10 h 31 min 06 s
